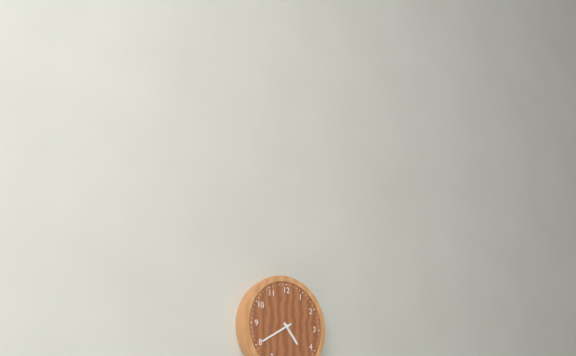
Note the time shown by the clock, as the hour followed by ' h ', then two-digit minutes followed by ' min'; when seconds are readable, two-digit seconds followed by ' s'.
4 h 40 min
